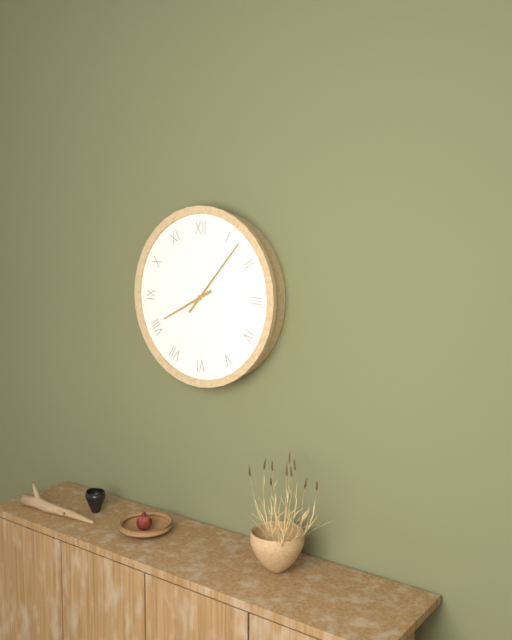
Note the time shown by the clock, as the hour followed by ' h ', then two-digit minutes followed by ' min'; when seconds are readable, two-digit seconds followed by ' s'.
8 h 07 min
